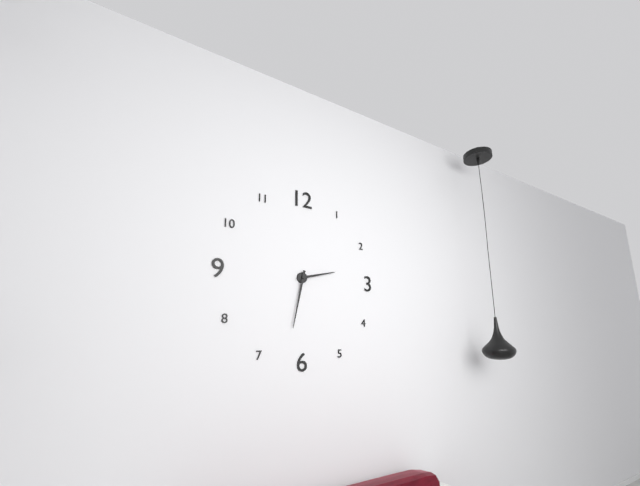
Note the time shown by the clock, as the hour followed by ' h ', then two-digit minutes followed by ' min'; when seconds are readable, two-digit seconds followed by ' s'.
2 h 32 min
